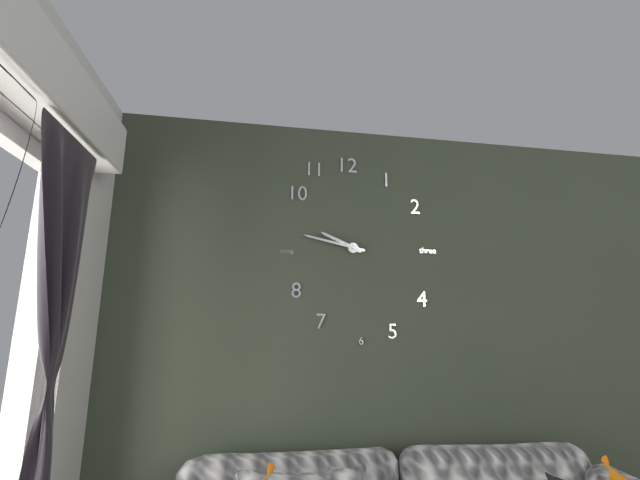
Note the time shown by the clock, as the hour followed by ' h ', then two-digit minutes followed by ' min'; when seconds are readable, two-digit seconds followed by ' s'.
9 h 47 min
